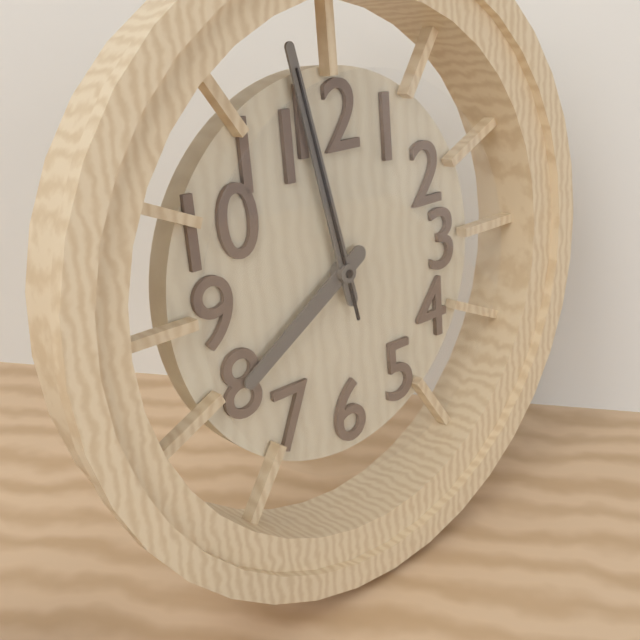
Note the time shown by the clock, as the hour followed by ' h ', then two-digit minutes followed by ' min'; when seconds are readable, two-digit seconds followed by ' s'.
7 h 58 min 58 s
